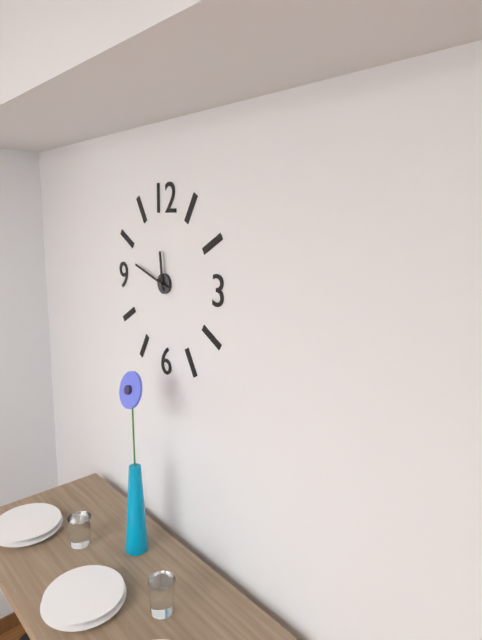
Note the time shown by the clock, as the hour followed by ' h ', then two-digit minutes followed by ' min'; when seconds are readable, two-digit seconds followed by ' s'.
11 h 48 min
